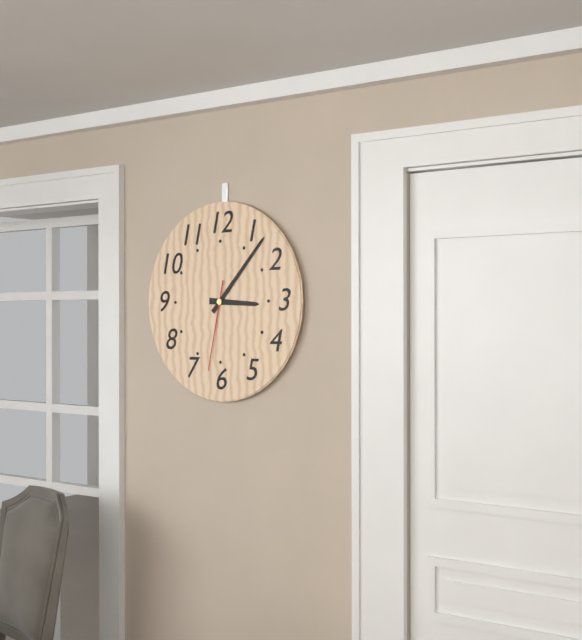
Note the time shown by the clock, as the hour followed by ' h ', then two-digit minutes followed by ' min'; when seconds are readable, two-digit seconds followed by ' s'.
3 h 07 min 32 s
